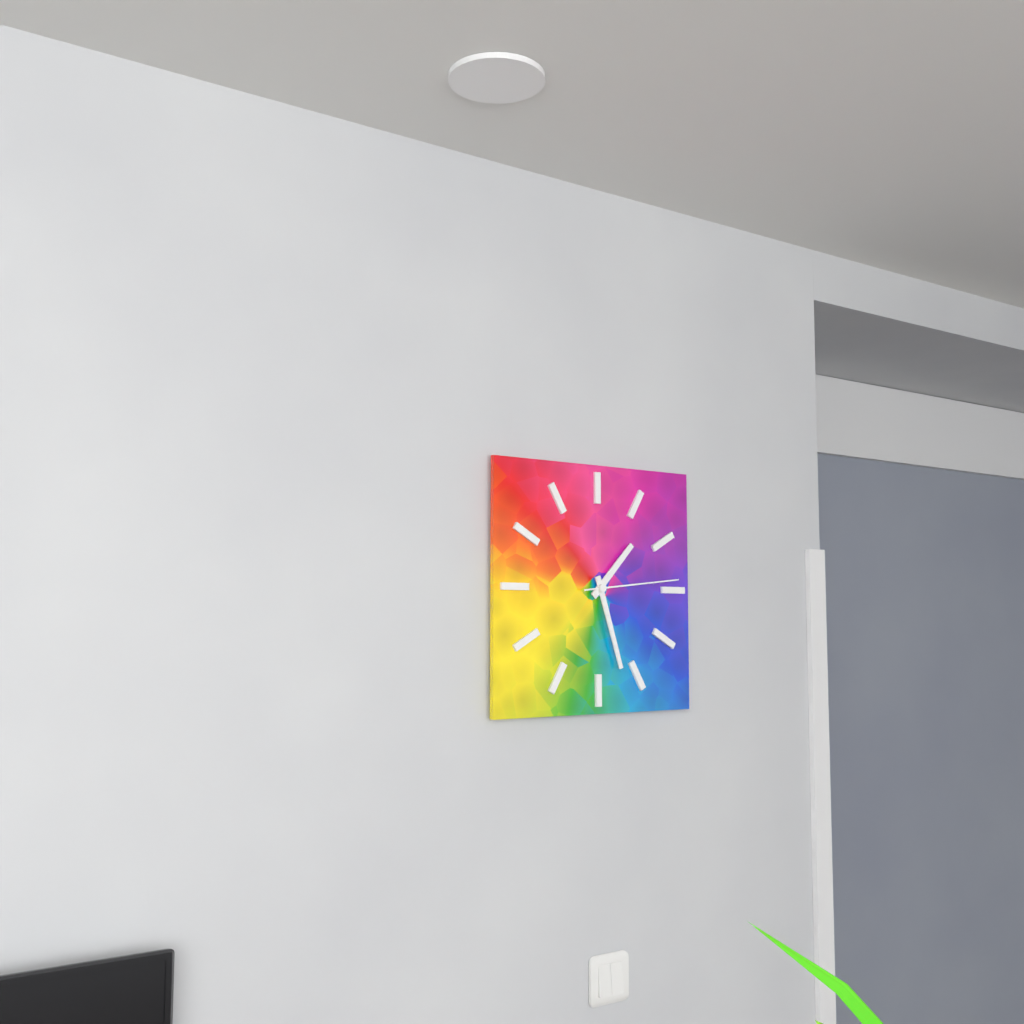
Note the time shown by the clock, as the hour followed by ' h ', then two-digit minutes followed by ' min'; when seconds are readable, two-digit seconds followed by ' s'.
1 h 27 min 14 s
